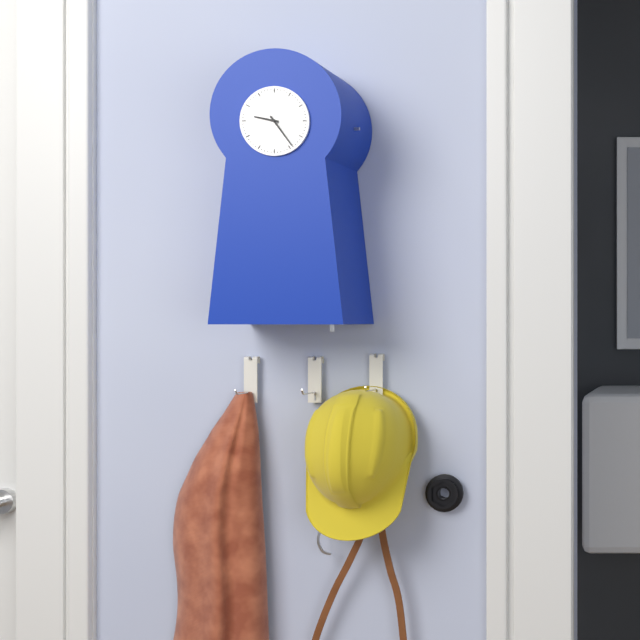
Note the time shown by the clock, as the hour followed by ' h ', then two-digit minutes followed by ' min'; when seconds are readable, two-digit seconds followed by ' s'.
9 h 24 min
